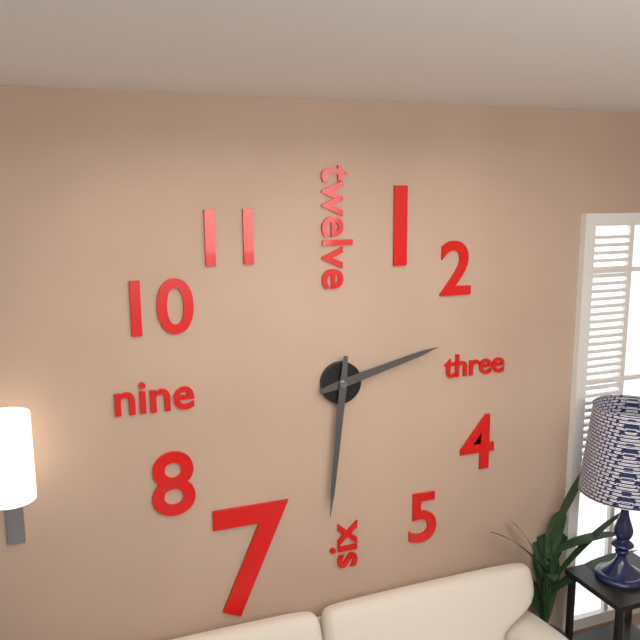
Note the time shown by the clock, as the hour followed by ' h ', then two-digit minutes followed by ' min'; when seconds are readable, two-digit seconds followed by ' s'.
2 h 31 min
